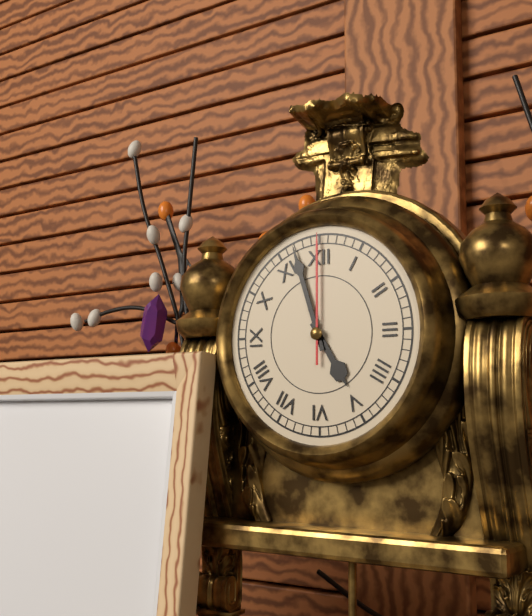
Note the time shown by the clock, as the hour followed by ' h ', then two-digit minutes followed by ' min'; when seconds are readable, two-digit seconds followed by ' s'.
4 h 57 min 00 s
